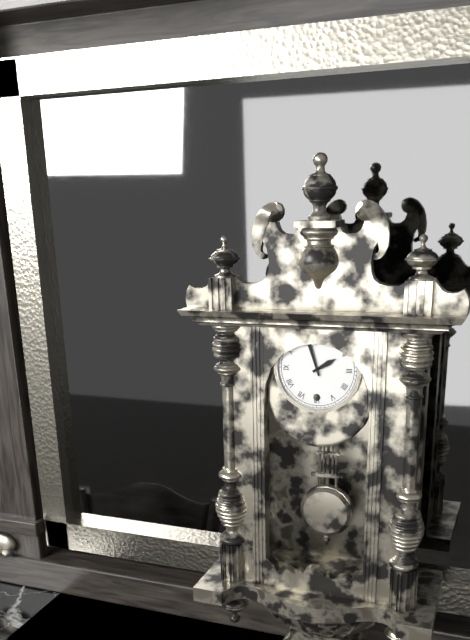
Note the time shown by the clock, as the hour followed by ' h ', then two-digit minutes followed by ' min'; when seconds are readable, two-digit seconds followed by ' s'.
1 h 57 min
